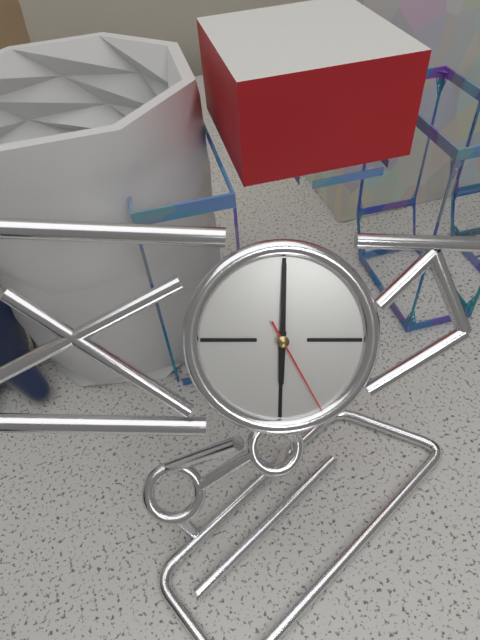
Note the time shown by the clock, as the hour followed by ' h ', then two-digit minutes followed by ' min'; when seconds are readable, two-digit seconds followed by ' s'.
6 h 00 min 25 s
